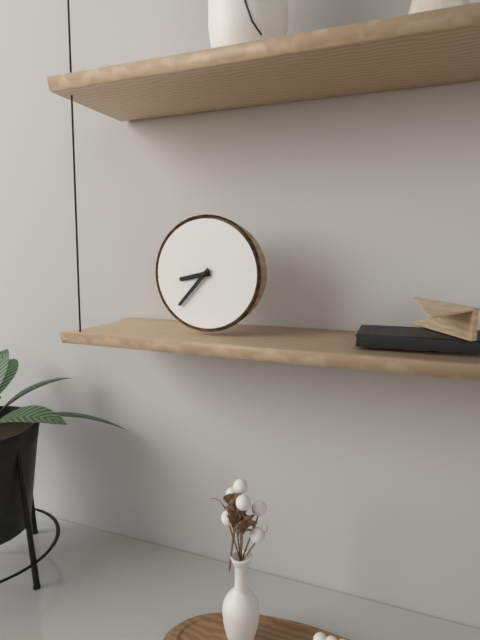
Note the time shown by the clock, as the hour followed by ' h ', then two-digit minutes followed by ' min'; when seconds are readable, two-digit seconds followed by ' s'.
8 h 37 min
